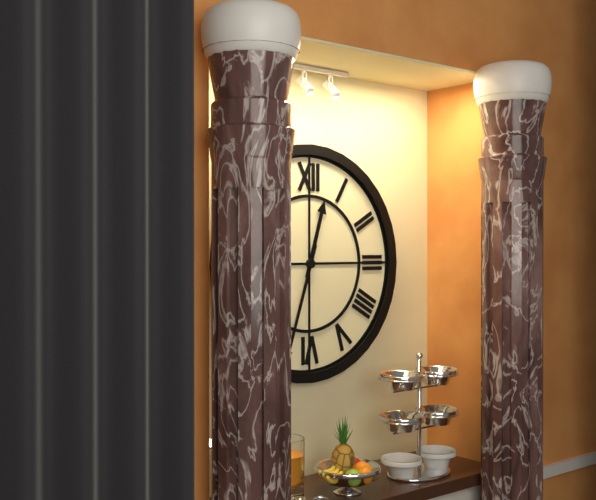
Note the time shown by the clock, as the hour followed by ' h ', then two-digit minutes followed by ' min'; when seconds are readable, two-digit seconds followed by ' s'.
12 h 33 min
